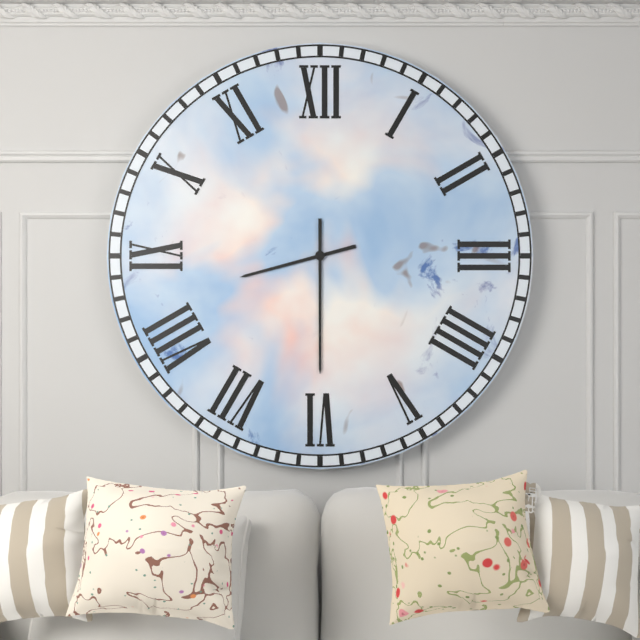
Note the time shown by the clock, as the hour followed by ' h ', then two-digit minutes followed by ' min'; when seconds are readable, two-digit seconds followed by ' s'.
8 h 30 min
